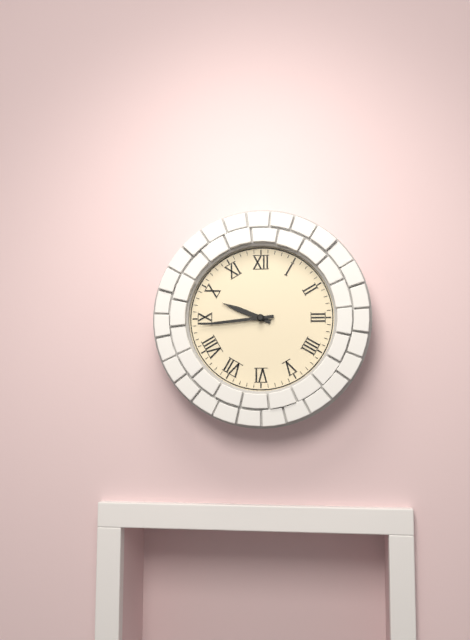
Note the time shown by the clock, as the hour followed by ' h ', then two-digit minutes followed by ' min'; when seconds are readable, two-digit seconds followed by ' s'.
9 h 44 min
